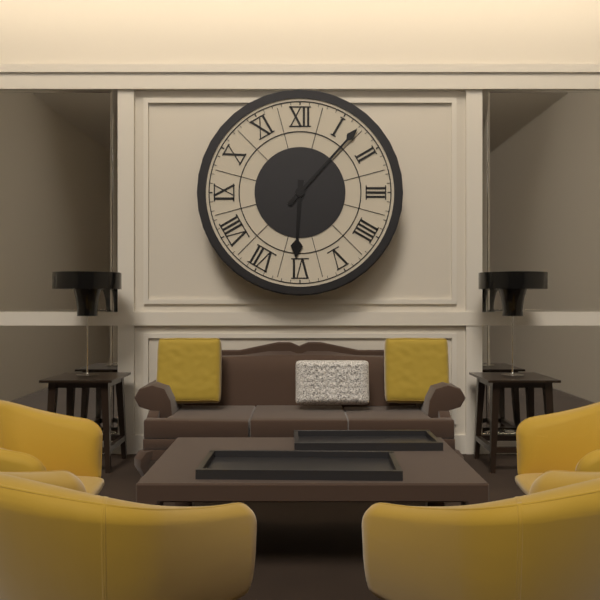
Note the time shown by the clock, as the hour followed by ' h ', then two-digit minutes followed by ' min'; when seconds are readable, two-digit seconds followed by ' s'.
6 h 07 min
